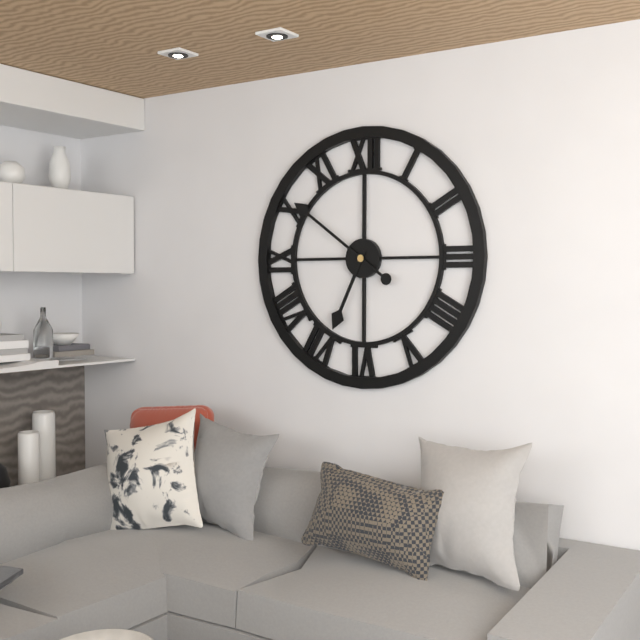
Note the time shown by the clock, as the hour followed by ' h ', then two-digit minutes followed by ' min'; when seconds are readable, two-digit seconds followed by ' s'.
6 h 51 min
